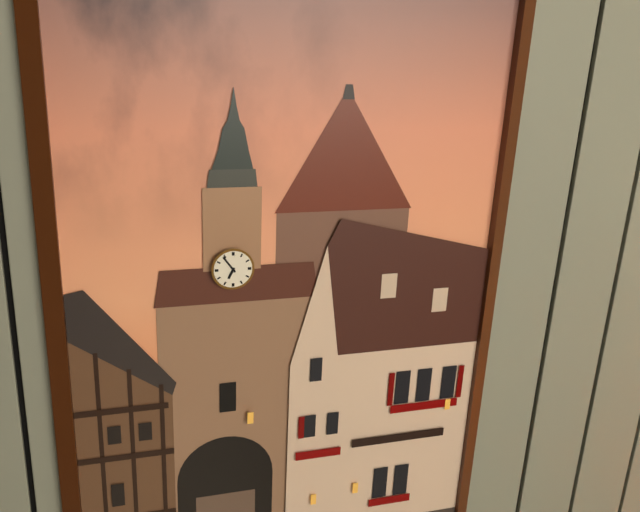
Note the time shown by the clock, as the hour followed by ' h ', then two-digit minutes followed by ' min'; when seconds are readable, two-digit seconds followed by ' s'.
6 h 54 min
